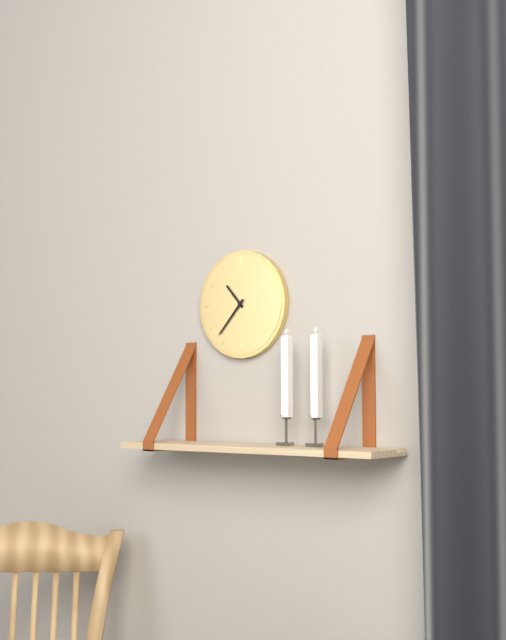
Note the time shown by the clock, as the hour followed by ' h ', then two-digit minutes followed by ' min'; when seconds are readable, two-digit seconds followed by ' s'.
10 h 37 min
